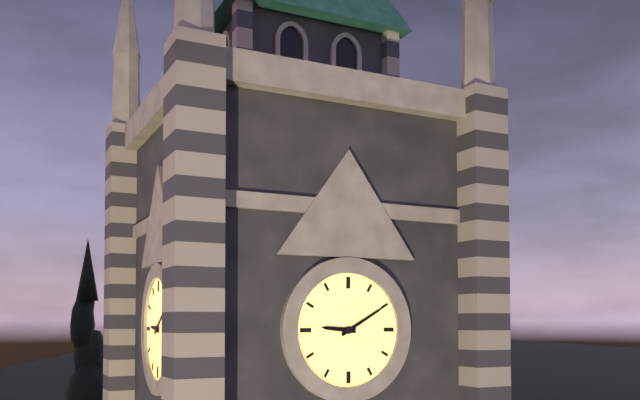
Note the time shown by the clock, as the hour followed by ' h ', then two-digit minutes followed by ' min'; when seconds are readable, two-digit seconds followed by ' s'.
9 h 10 min
